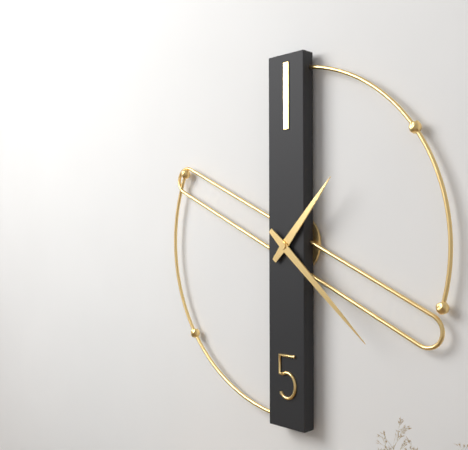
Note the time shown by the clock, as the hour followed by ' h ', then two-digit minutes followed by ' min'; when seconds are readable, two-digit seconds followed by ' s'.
1 h 22 min
